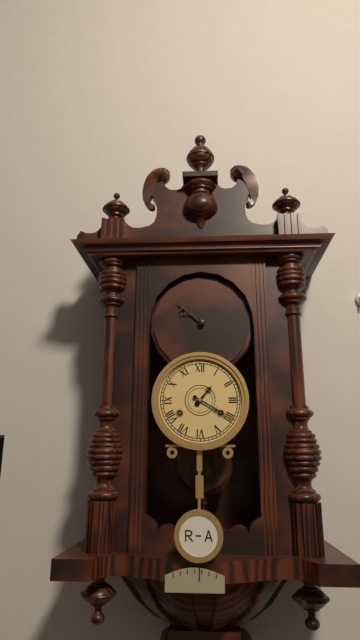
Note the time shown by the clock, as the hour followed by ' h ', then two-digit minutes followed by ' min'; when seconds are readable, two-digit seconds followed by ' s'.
1 h 20 min
